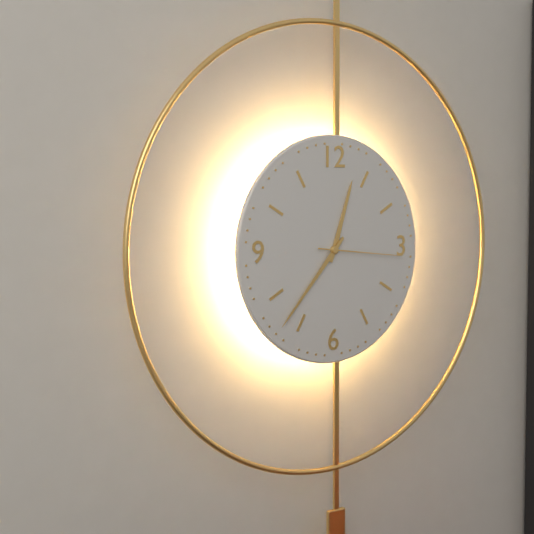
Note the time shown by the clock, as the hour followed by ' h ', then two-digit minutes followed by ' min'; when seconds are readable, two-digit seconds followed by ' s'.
12 h 37 min 16 s
